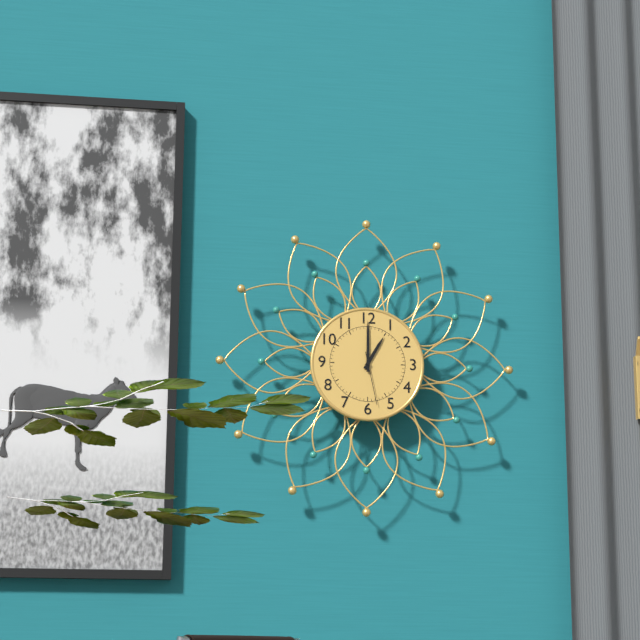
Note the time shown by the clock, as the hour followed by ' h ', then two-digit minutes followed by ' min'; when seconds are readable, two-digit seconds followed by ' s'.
1 h 00 min 28 s
